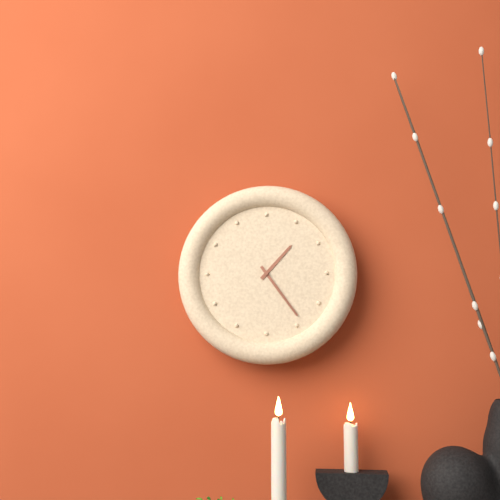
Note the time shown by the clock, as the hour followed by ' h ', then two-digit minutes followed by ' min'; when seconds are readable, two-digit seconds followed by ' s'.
1 h 24 min
